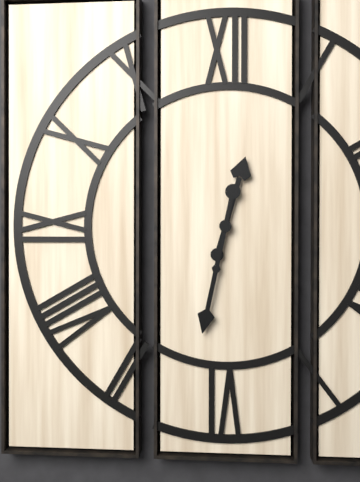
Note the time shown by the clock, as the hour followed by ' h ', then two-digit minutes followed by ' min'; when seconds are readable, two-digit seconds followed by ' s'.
12 h 32 min
